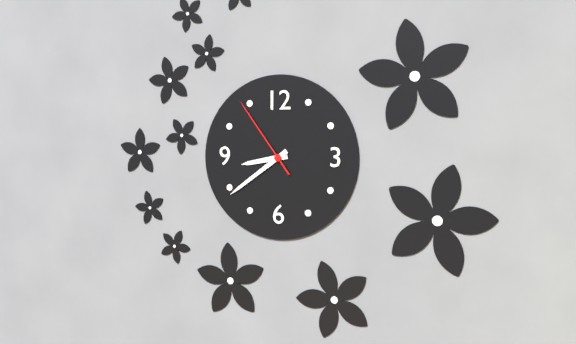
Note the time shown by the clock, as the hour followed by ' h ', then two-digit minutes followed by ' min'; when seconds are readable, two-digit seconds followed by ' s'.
8 h 39 min 54 s
